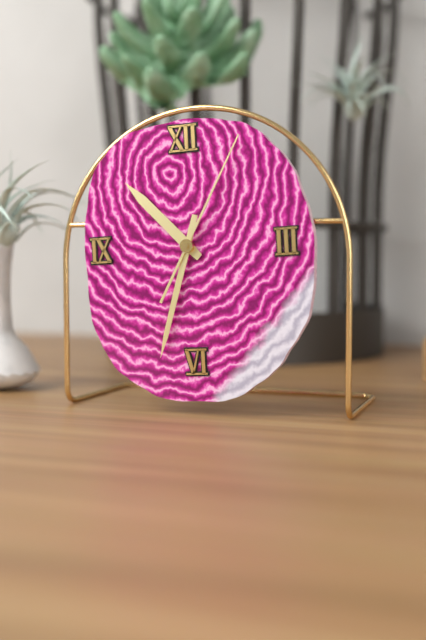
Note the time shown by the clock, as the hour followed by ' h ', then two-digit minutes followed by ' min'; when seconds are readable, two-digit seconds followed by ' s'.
10 h 33 min 05 s
